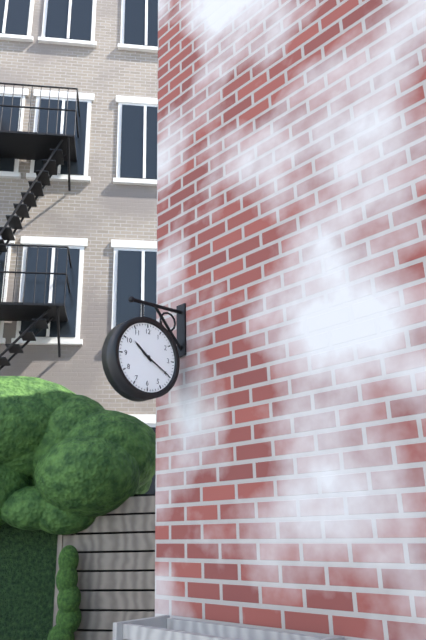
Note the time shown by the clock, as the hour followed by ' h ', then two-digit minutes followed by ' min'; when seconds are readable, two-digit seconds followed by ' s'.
10 h 20 min
